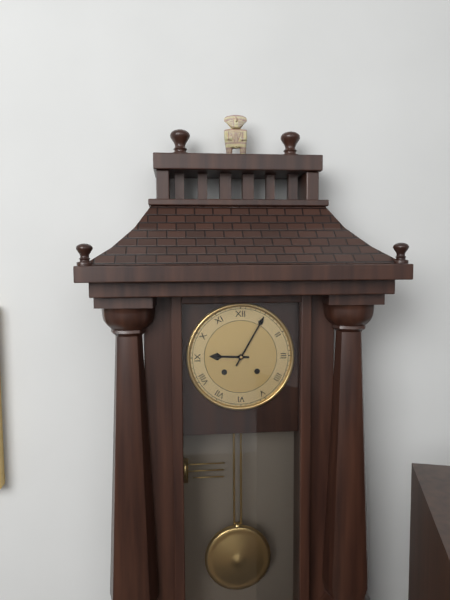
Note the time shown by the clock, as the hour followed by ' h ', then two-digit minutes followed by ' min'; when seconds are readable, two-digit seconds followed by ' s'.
9 h 05 min
